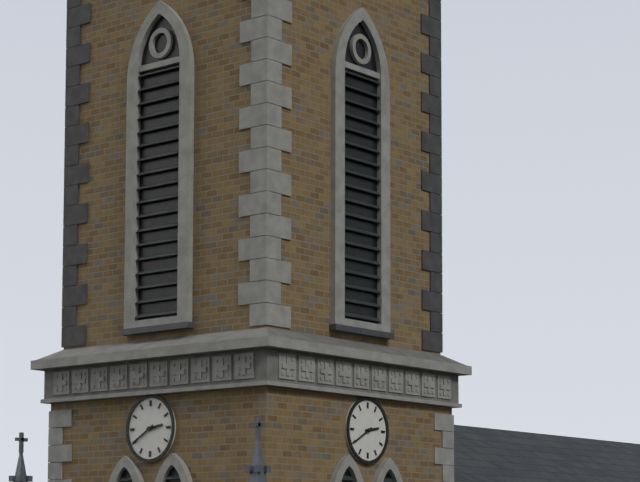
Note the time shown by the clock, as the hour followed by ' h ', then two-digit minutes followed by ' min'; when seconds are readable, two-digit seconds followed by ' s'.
2 h 40 min
